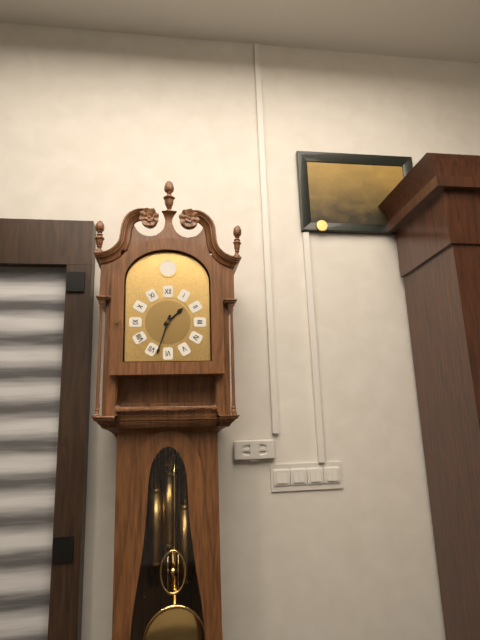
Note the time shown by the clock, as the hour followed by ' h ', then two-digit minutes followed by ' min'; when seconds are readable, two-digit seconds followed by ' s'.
1 h 33 min
